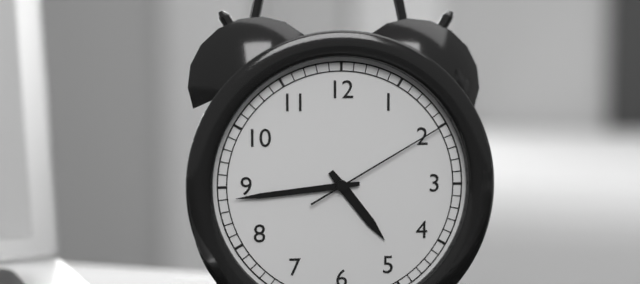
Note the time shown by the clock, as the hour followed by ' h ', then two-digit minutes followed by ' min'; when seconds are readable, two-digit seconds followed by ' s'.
4 h 44 min 10 s
